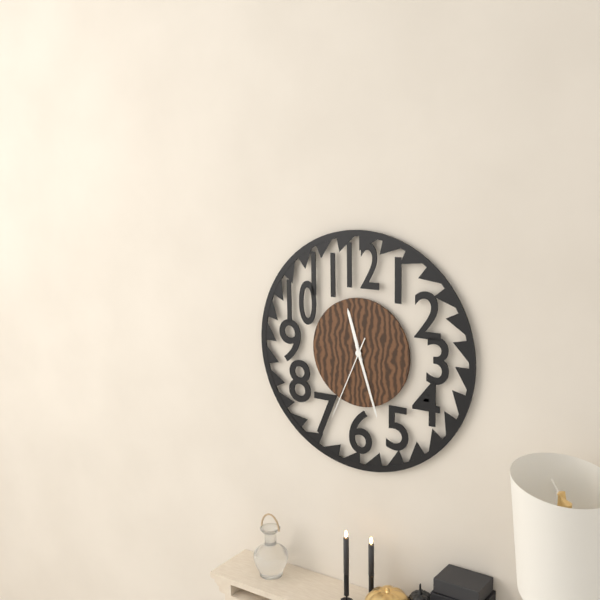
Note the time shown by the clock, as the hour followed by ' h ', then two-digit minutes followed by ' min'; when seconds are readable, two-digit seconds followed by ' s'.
11 h 27 min 34 s
